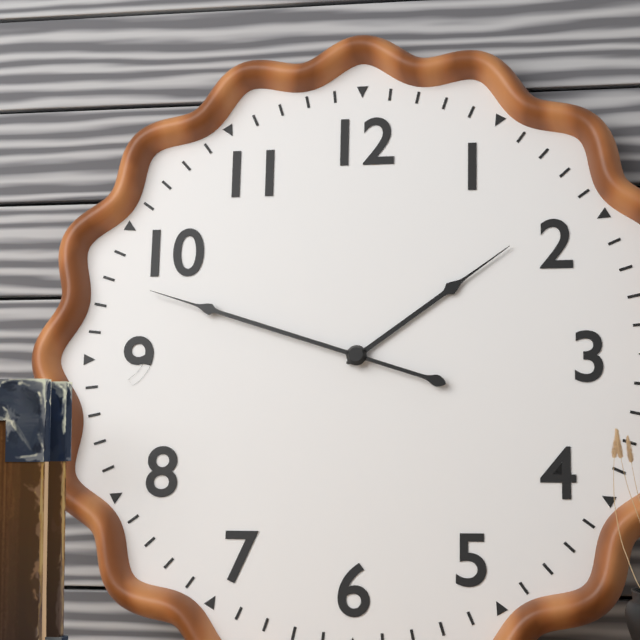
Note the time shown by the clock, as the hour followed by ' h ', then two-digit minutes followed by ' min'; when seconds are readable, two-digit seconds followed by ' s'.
1 h 48 min
